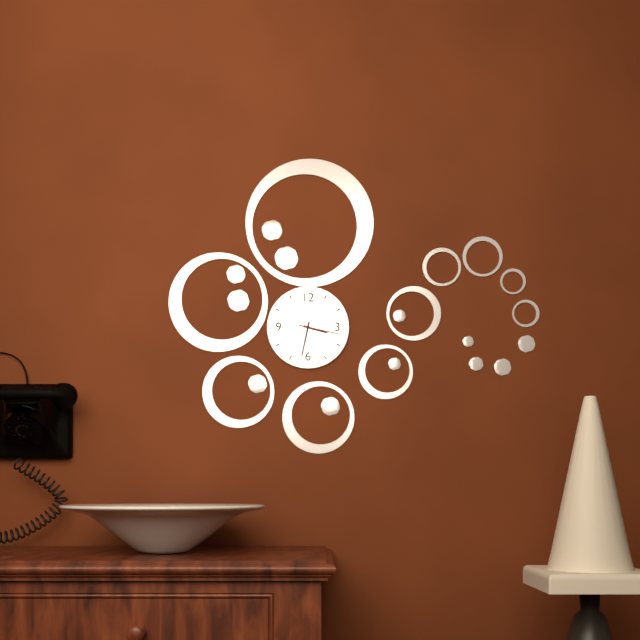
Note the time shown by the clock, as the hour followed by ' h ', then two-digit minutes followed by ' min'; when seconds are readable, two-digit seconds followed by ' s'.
3 h 32 min
